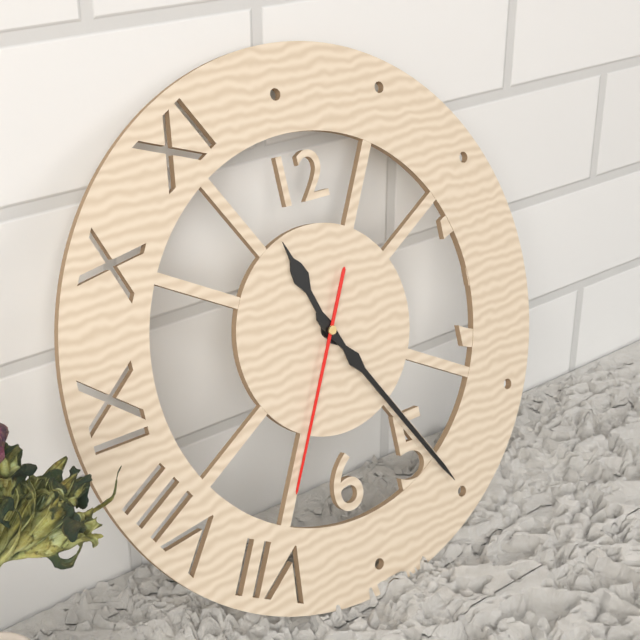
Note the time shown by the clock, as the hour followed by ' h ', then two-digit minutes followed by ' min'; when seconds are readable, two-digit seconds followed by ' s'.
11 h 25 min 35 s
